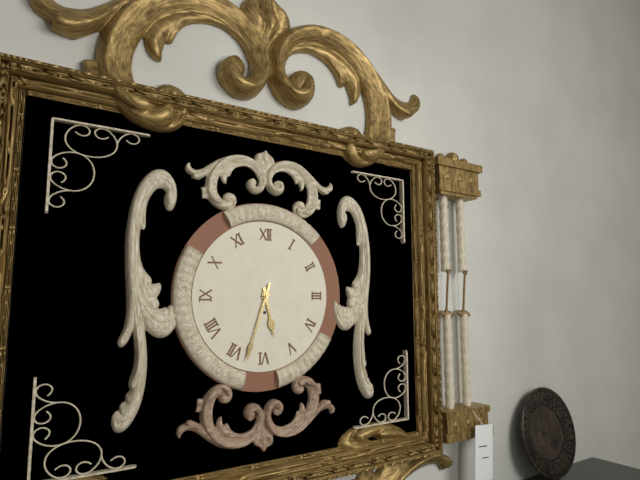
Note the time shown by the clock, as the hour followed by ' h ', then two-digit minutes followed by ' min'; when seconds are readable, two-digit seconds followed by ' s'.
5 h 33 min
